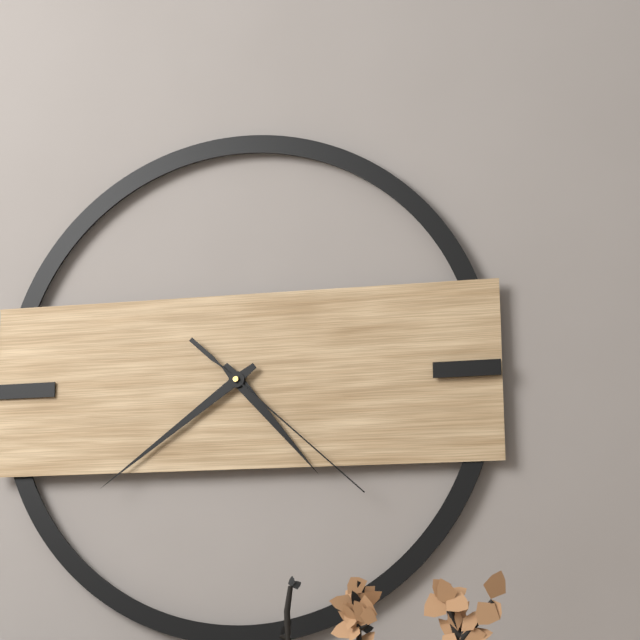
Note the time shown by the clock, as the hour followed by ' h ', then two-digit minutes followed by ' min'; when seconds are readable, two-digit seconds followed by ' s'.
4 h 39 min 22 s
